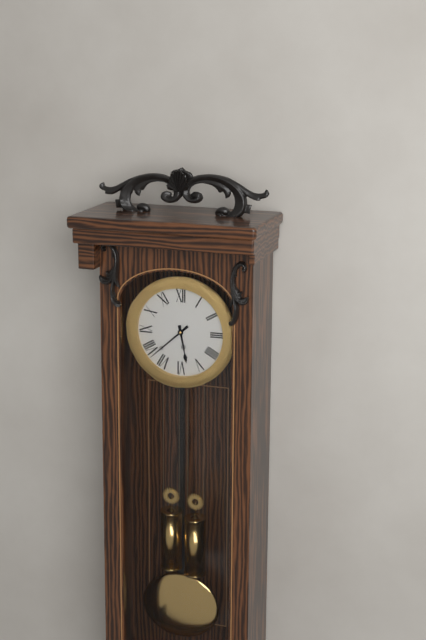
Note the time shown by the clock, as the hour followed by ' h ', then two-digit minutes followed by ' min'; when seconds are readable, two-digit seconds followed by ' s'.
5 h 38 min
